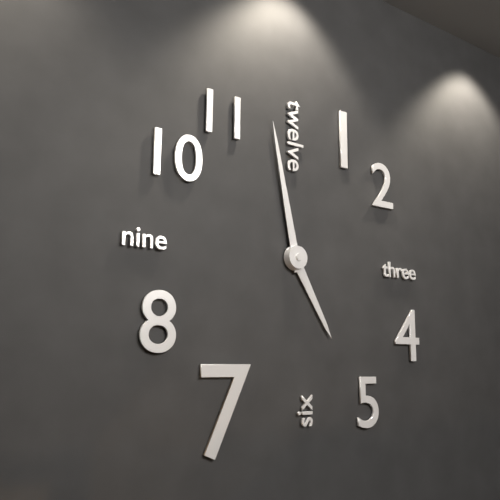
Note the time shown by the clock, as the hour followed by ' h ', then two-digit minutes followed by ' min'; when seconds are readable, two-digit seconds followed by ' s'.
4 h 58 min
